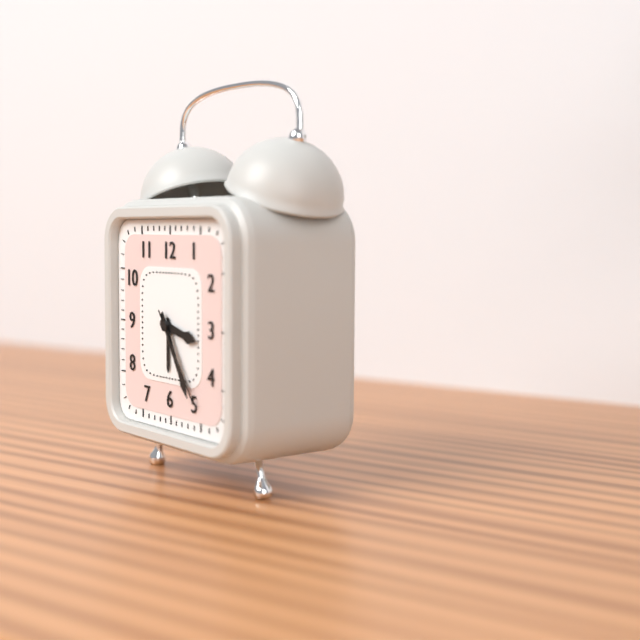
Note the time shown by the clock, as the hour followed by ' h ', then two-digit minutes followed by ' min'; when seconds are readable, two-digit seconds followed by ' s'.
3 h 25 min 24 s
